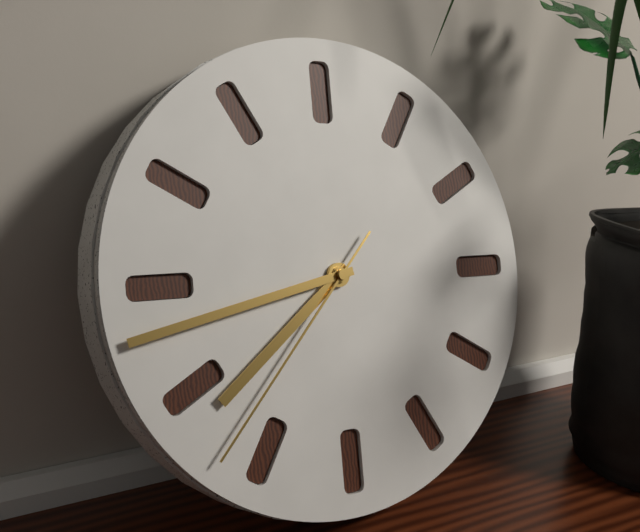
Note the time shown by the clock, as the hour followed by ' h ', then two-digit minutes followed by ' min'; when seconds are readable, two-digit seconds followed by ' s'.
7 h 43 min 37 s
